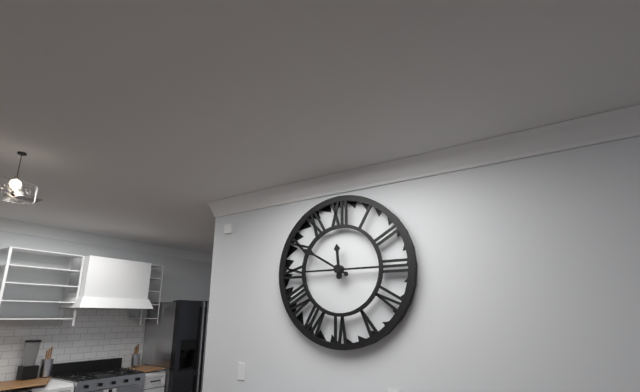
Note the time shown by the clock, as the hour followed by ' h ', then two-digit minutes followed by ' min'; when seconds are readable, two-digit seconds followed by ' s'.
11 h 50 min
